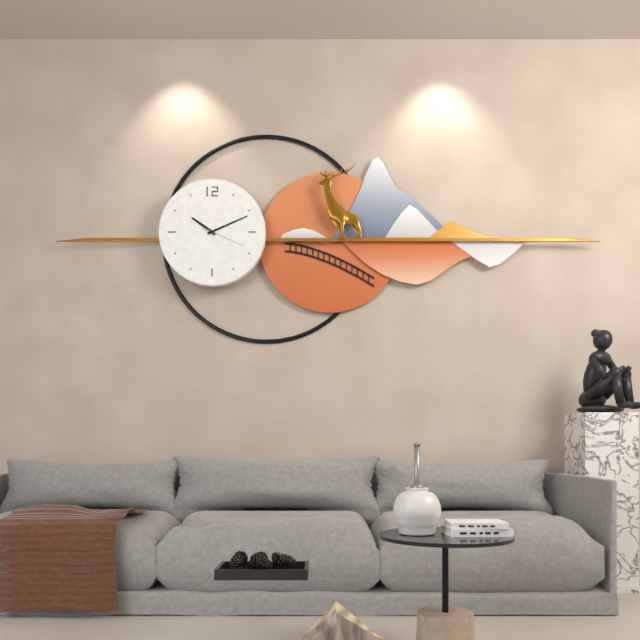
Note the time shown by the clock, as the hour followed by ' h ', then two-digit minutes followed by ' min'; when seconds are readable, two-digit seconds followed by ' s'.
10 h 11 min
